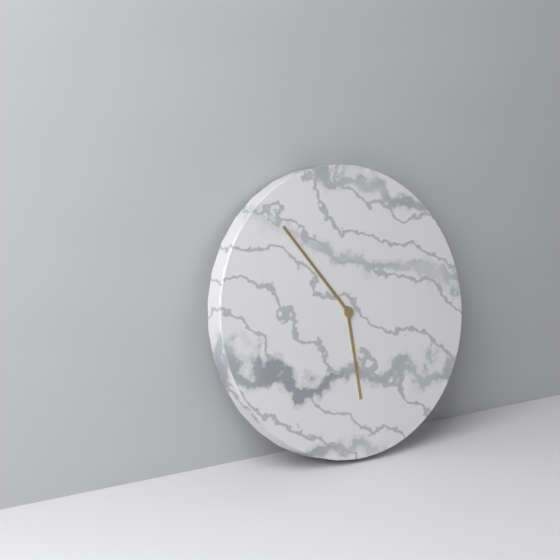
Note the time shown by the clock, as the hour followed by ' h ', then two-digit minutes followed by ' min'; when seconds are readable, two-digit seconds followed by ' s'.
5 h 54 min
